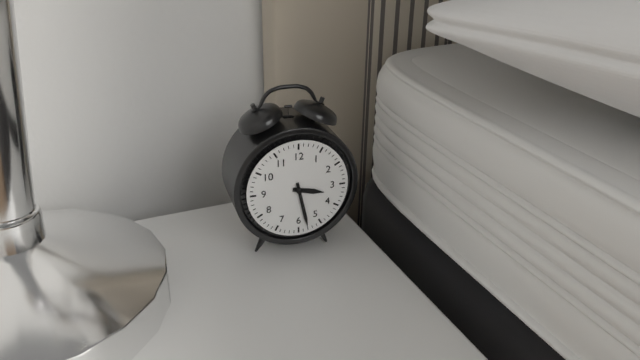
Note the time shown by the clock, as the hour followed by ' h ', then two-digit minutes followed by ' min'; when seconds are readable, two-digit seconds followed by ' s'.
3 h 28 min
